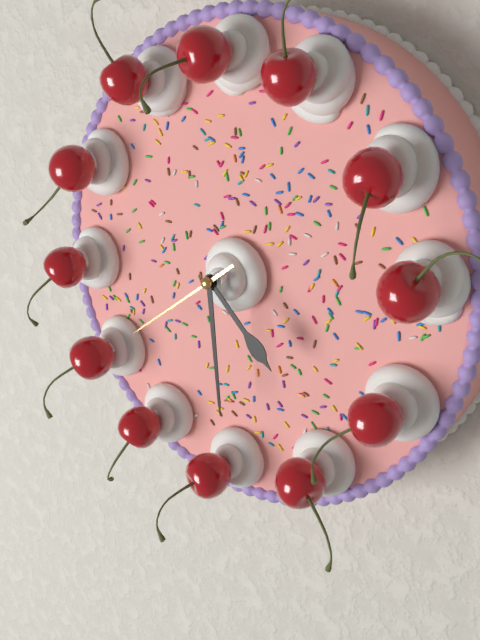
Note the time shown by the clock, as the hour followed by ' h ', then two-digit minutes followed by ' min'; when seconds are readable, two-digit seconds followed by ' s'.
4 h 29 min 39 s
